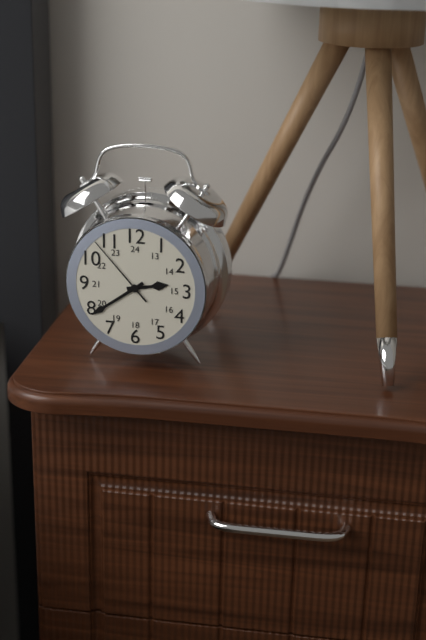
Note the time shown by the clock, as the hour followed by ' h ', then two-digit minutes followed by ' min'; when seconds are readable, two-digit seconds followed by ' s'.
2 h 39 min 53 s
